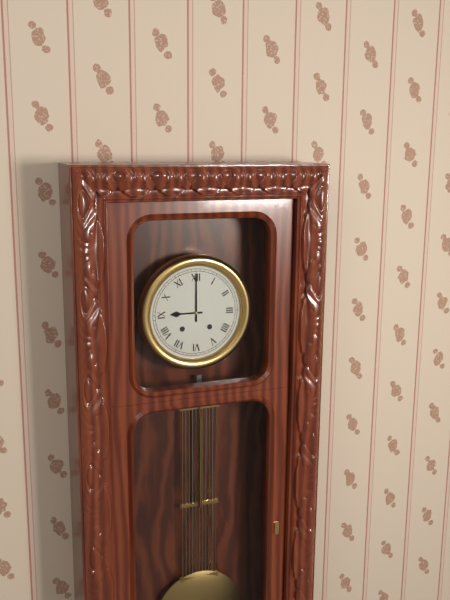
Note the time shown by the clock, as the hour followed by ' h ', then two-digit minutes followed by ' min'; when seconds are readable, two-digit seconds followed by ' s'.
9 h 00 min
